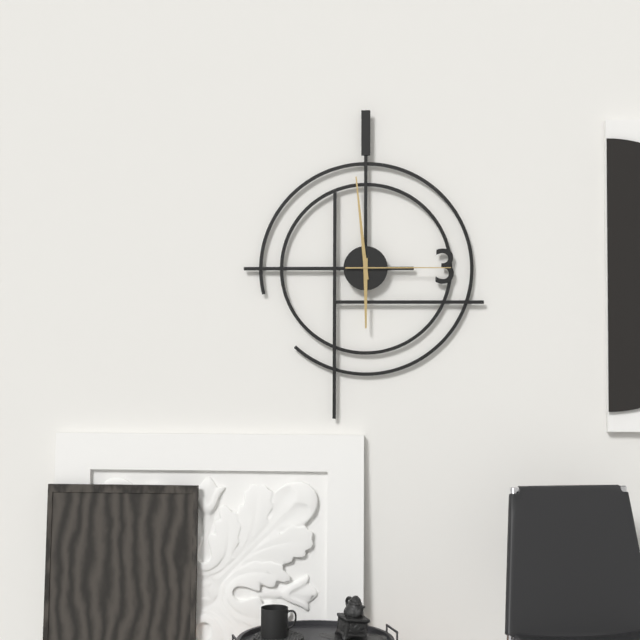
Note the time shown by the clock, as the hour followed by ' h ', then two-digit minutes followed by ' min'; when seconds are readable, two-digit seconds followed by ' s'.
5 h 59 min 15 s
